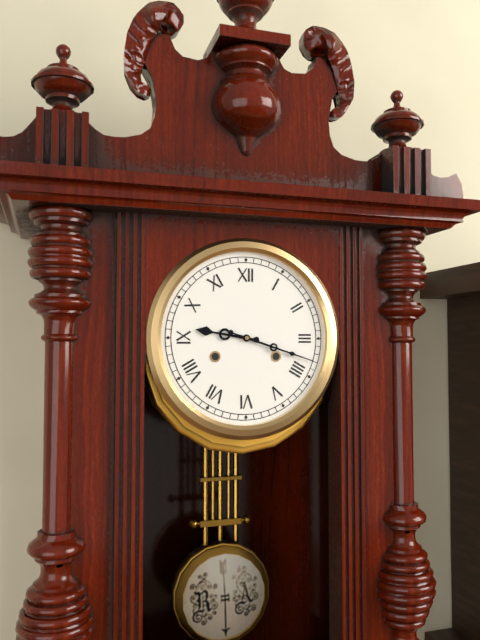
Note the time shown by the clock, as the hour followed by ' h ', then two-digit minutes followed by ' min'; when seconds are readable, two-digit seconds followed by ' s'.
9 h 18 min
